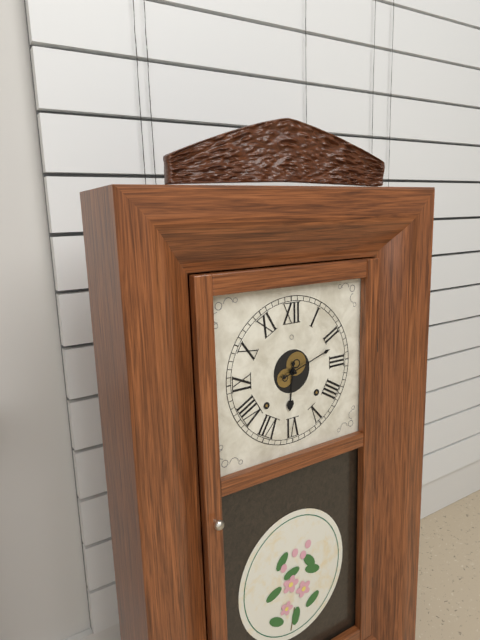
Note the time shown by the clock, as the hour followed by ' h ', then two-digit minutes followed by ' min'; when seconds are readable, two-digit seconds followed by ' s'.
6 h 12 min
